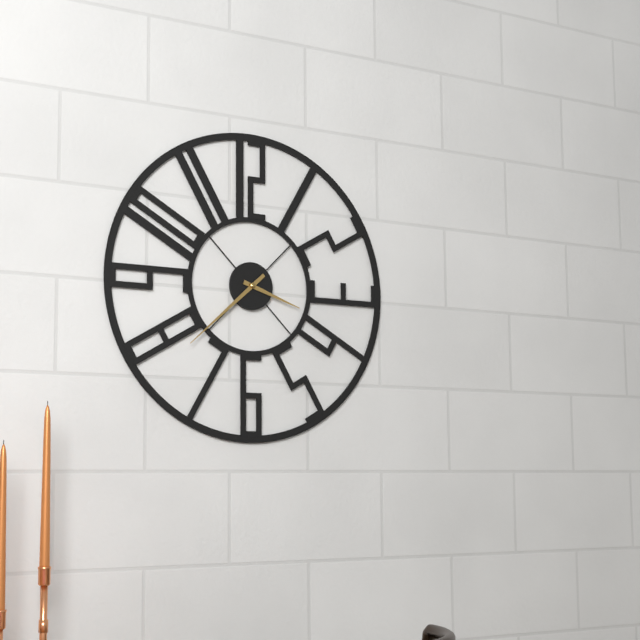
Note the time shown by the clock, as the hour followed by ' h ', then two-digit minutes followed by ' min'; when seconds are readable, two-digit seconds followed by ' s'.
3 h 38 min
